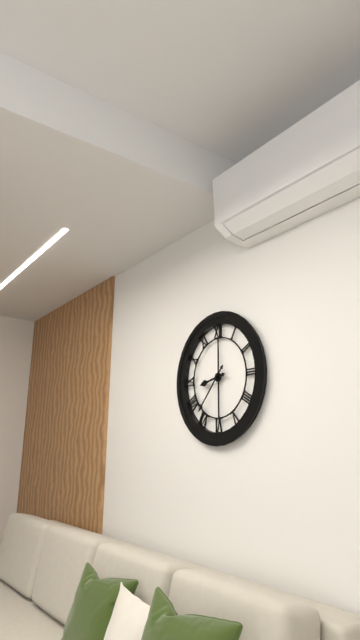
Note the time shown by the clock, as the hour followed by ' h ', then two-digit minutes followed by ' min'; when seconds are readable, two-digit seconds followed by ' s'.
8 h 37 min
